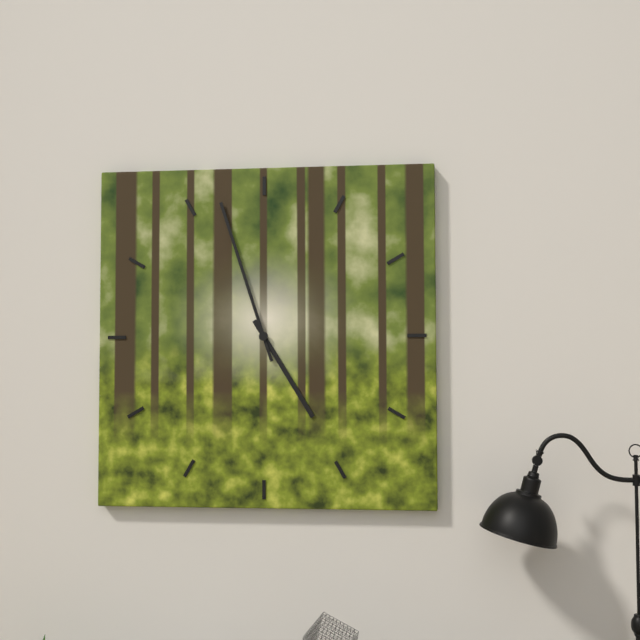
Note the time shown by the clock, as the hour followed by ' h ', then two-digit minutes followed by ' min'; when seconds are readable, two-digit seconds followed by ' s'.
4 h 57 min
